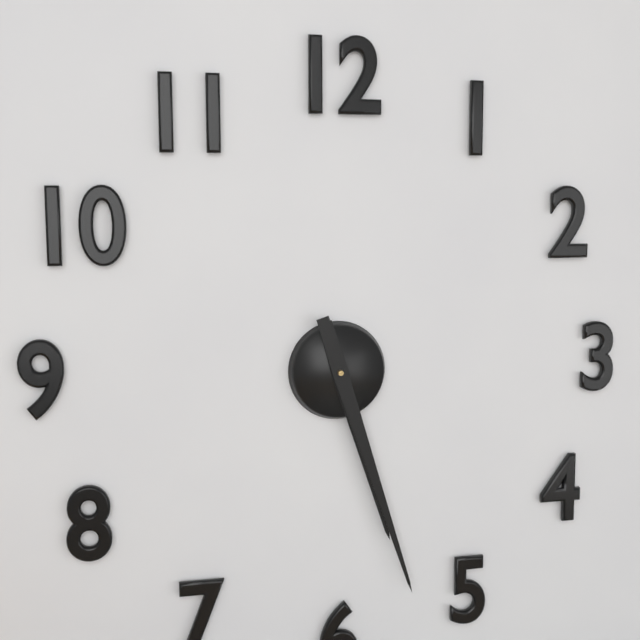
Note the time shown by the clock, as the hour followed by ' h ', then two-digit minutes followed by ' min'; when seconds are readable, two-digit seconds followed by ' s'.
5 h 27 min
